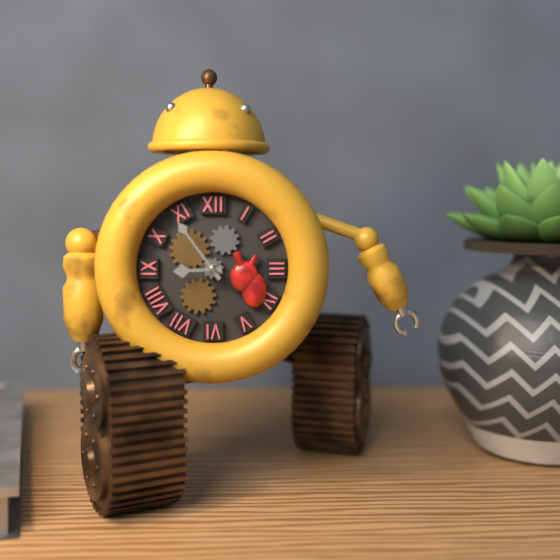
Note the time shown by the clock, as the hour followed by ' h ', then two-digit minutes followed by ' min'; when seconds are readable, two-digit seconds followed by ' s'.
8 h 54 min
